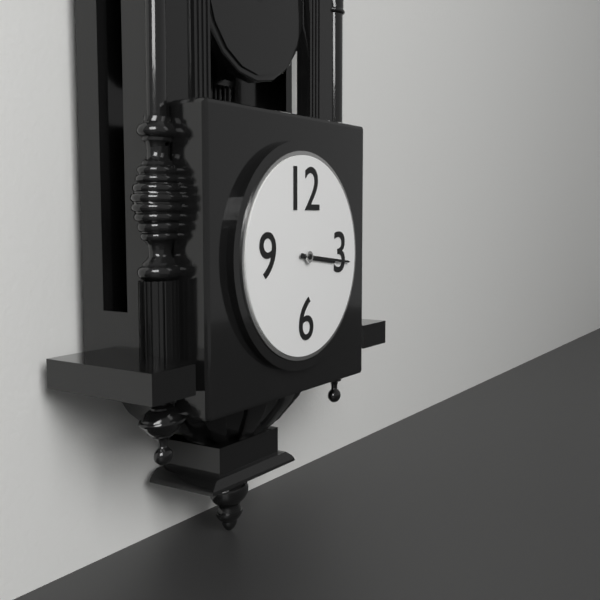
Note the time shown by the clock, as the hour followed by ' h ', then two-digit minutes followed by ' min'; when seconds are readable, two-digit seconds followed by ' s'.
3 h 16 min
